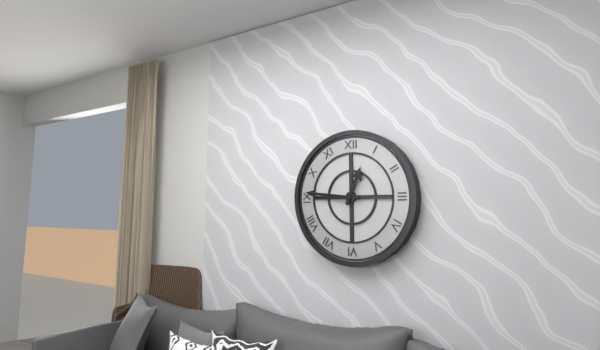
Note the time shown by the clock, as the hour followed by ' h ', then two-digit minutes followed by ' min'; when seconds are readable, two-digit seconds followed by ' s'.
12 h 46 min
